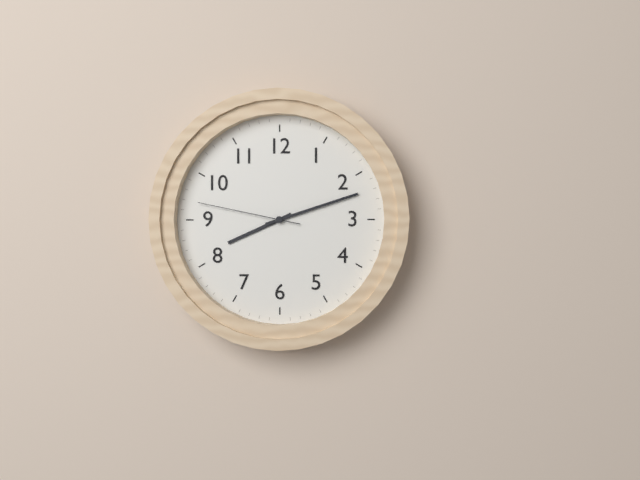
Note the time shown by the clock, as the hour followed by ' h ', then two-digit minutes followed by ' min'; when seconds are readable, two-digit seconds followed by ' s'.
8 h 12 min 47 s
